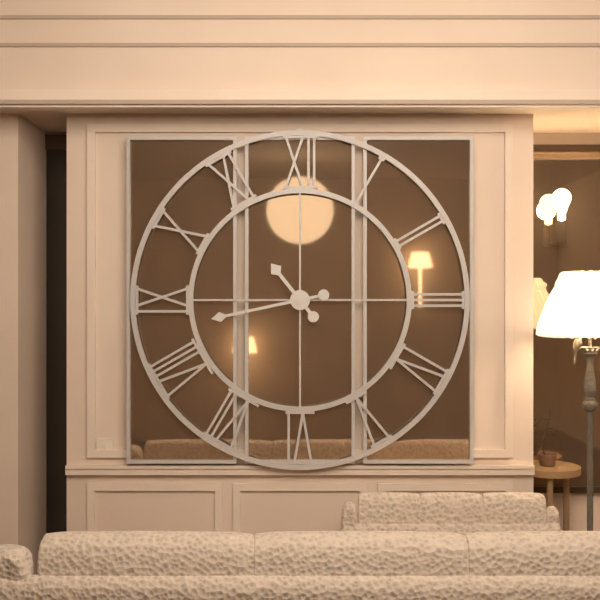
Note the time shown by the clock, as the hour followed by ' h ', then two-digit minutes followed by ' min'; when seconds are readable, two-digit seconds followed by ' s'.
10 h 43 min
